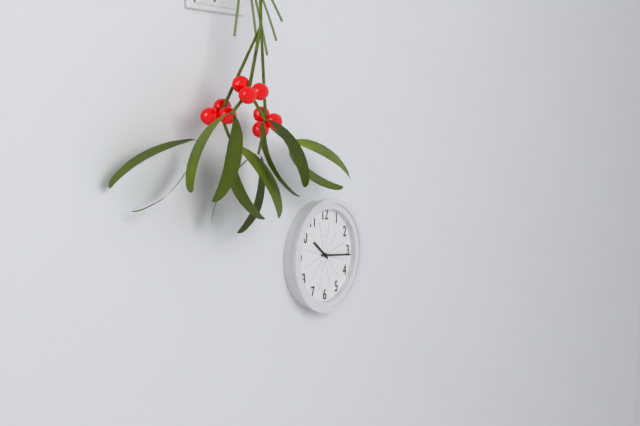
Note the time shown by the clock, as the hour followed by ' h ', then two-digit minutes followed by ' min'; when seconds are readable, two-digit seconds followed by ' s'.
10 h 16 min
